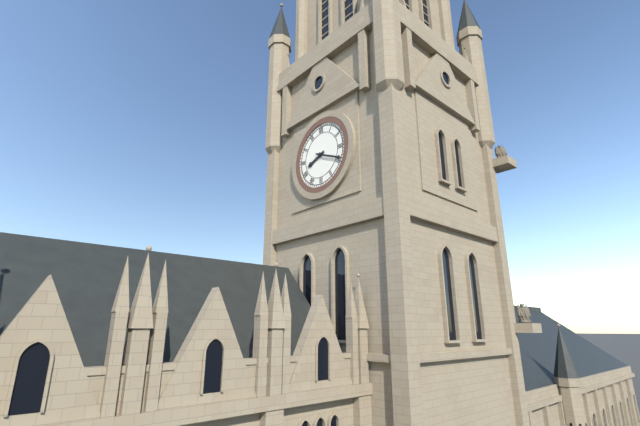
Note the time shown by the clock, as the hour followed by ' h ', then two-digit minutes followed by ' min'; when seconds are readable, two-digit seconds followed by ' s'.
8 h 19 min
